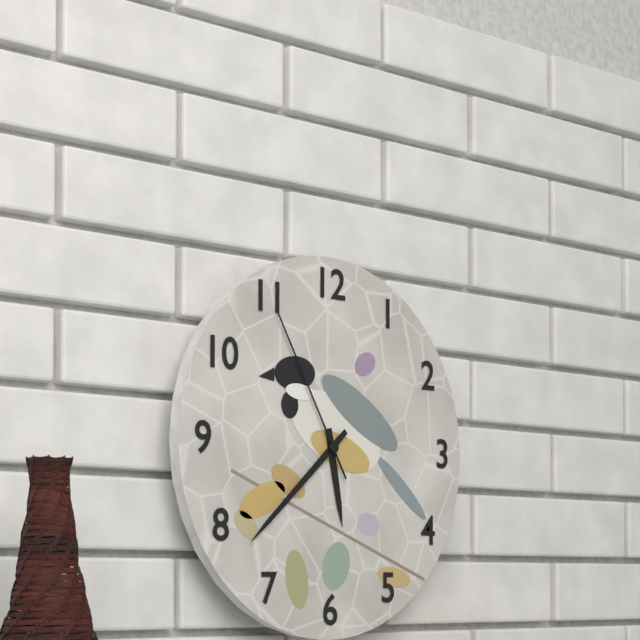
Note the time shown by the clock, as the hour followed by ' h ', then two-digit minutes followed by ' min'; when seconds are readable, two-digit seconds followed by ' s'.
5 h 38 min 55 s
